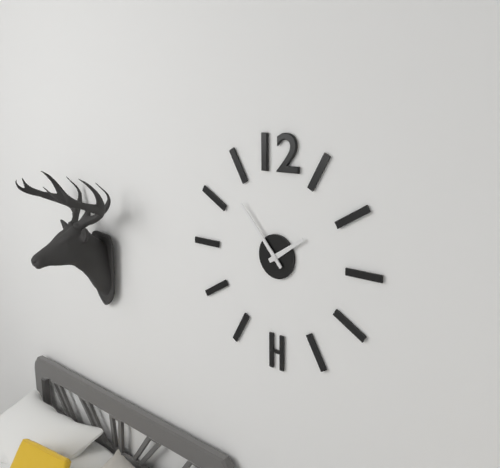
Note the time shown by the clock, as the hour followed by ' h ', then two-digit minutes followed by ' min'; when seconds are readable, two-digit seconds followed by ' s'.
1 h 53 min
